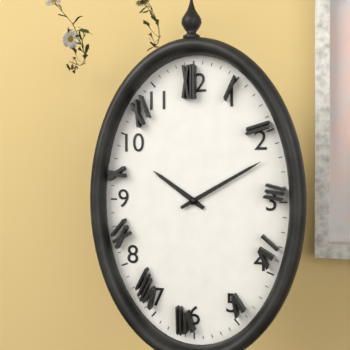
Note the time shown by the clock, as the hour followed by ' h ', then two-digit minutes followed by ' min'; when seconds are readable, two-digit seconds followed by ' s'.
10 h 10 min
